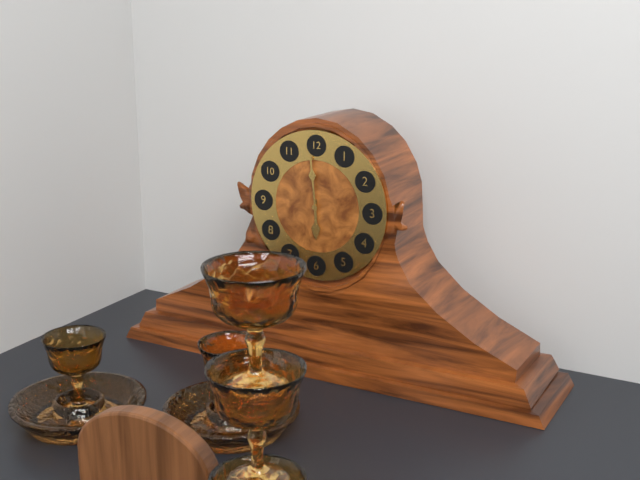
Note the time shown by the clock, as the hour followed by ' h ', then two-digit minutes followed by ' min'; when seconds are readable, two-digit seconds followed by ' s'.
5 h 59 min
